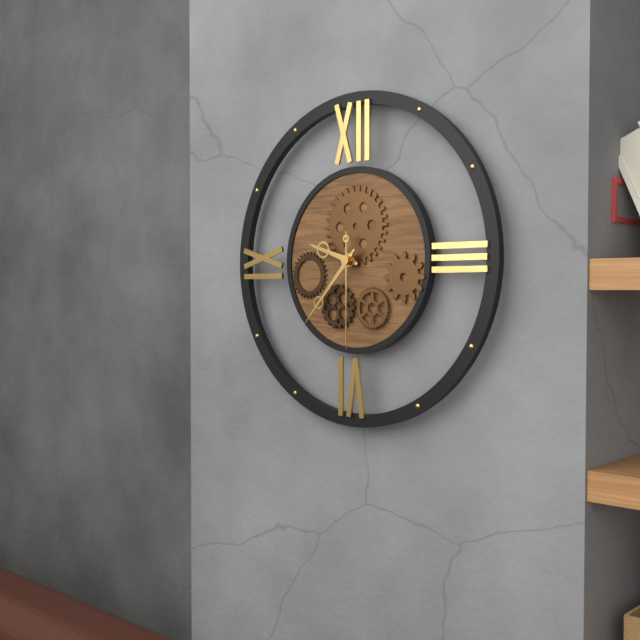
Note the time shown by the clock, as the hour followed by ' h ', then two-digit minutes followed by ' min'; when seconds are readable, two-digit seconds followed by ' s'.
9 h 37 min 30 s
